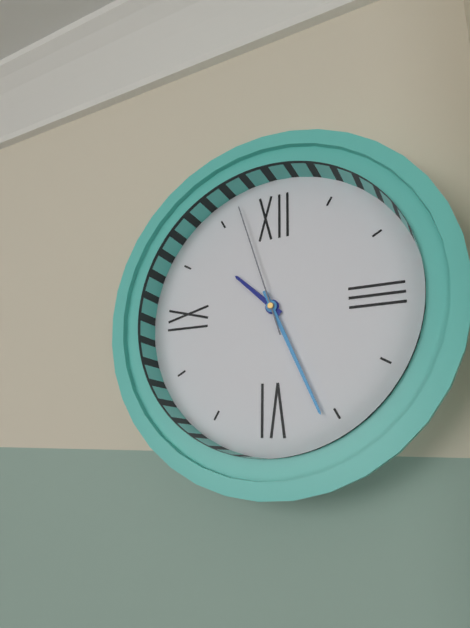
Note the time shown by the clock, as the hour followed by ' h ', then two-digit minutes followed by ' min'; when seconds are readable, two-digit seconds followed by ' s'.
10 h 26 min 57 s
